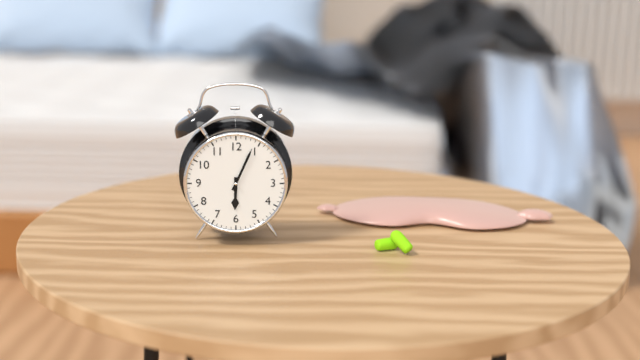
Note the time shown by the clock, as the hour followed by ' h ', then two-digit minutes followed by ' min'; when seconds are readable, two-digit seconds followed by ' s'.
6 h 04 min
